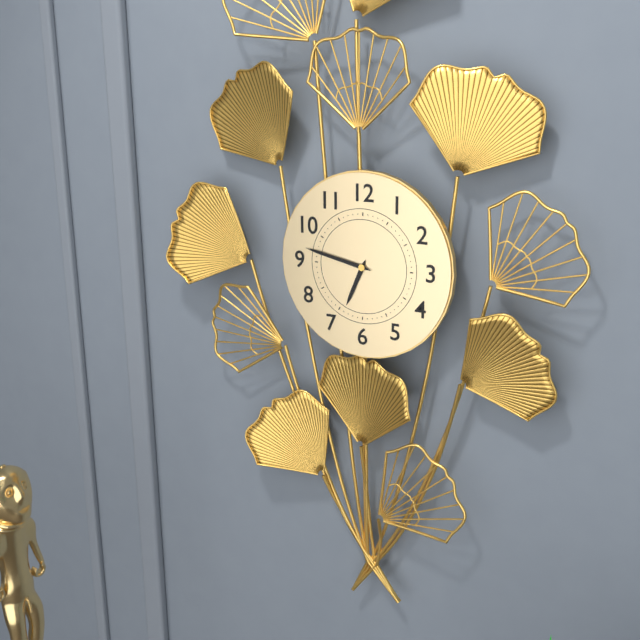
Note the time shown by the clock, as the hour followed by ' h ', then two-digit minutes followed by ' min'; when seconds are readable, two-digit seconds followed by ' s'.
6 h 47 min
